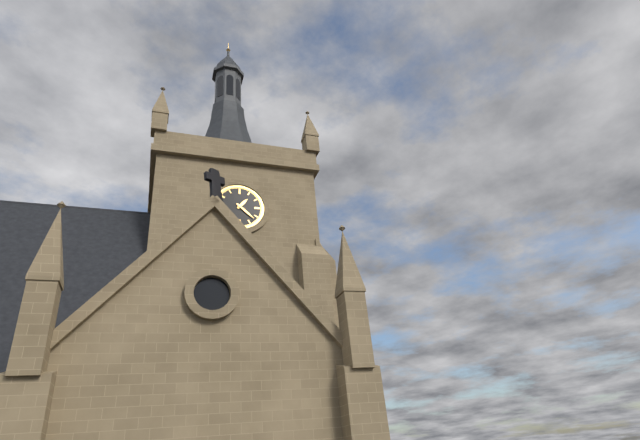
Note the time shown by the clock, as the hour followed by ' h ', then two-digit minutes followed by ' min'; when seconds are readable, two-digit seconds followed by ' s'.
1 h 22 min
